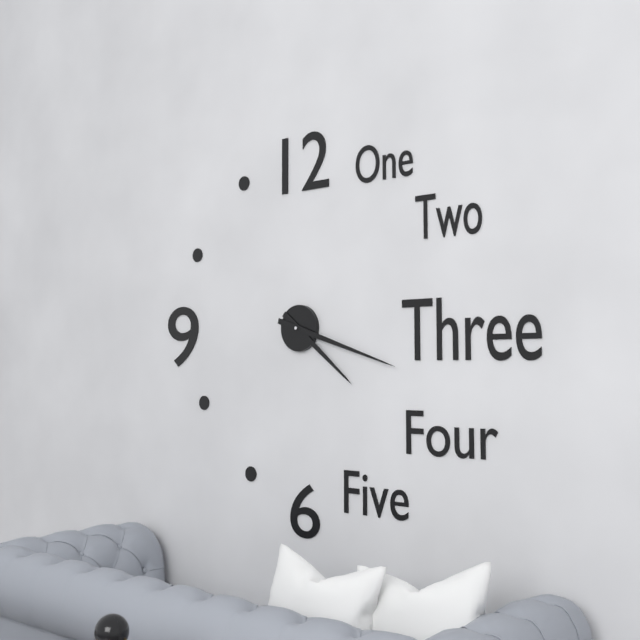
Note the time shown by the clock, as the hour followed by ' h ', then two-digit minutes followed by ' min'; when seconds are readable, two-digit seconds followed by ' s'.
4 h 18 min
